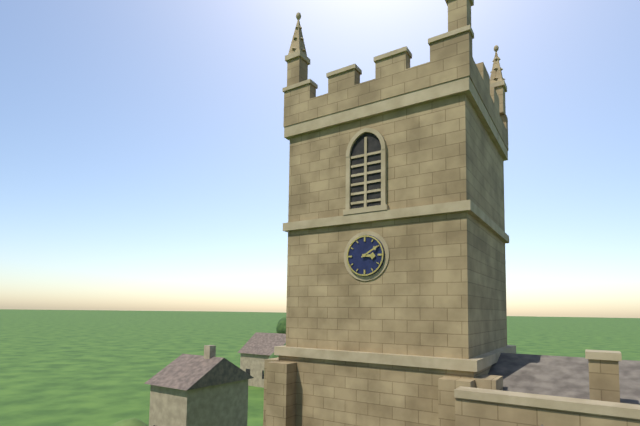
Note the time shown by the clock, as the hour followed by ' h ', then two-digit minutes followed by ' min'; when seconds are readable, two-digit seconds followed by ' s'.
3 h 10 min
